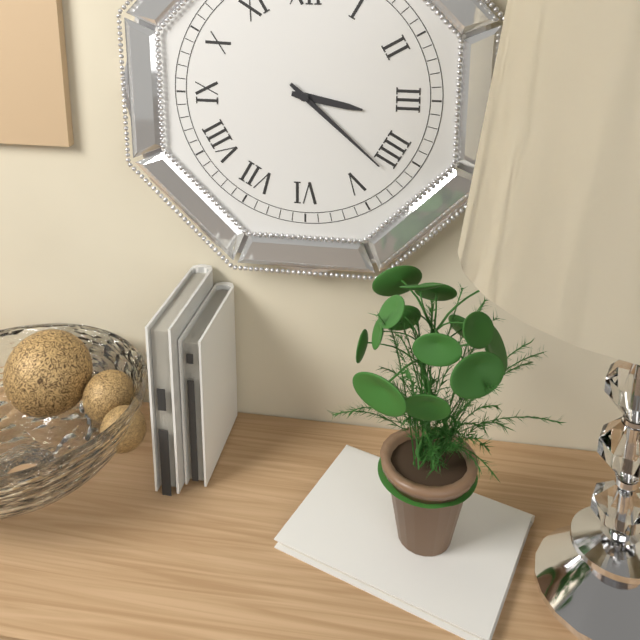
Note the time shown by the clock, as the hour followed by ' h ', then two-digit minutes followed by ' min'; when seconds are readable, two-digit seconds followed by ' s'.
3 h 22 min
